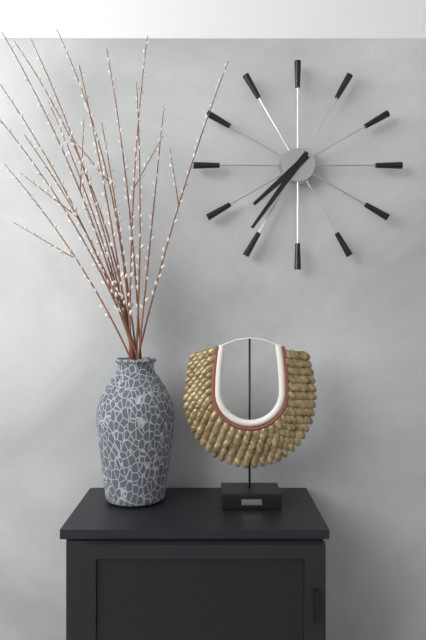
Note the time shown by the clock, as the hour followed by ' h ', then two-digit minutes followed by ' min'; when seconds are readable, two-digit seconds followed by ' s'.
7 h 36 min
